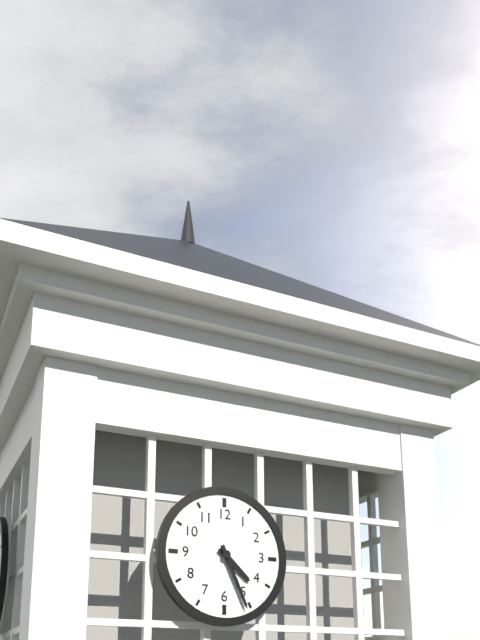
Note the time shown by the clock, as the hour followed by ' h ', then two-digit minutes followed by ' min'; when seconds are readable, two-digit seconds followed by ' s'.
4 h 26 min
